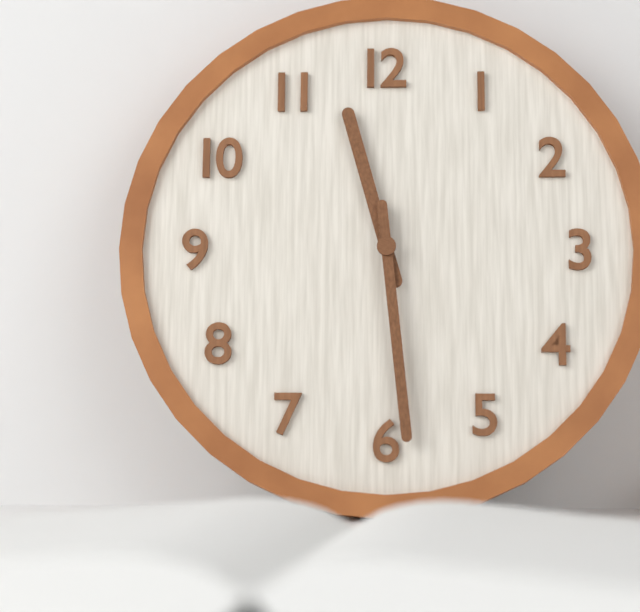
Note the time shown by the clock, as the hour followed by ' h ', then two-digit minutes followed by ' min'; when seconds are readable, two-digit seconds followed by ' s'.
11 h 29 min
